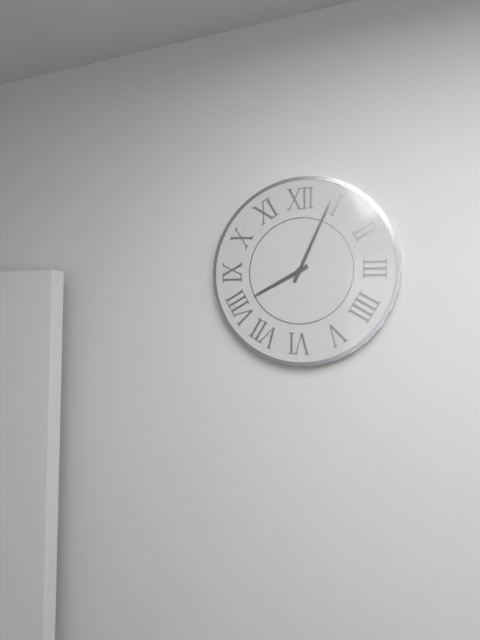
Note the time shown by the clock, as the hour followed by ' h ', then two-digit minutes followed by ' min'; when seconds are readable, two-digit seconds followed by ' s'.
8 h 04 min
